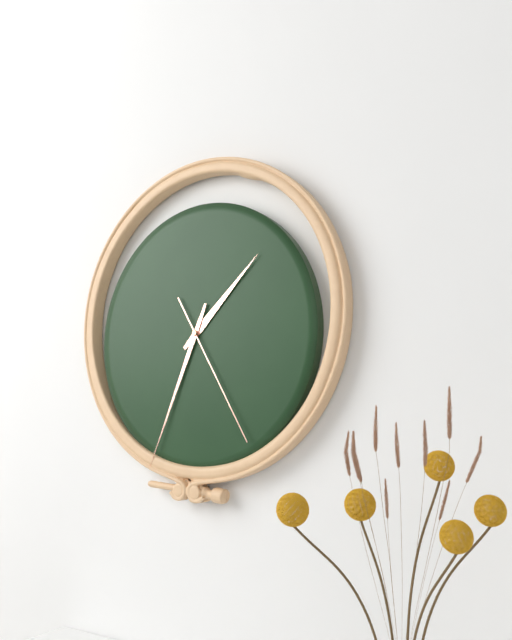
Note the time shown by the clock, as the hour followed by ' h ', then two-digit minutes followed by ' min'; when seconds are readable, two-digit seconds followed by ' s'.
1 h 34 min 25 s
